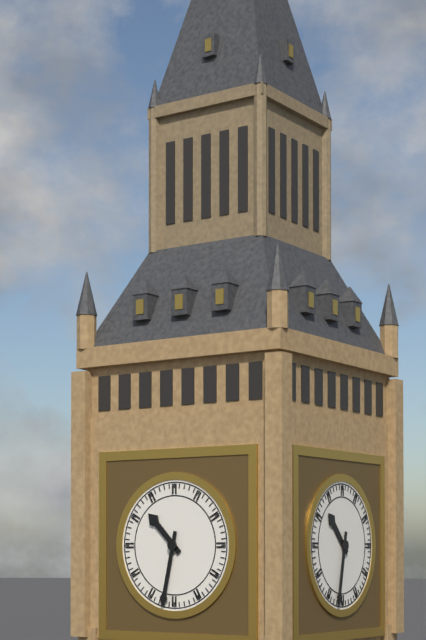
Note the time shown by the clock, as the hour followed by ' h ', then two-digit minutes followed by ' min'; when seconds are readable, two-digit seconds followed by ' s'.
10 h 32 min
